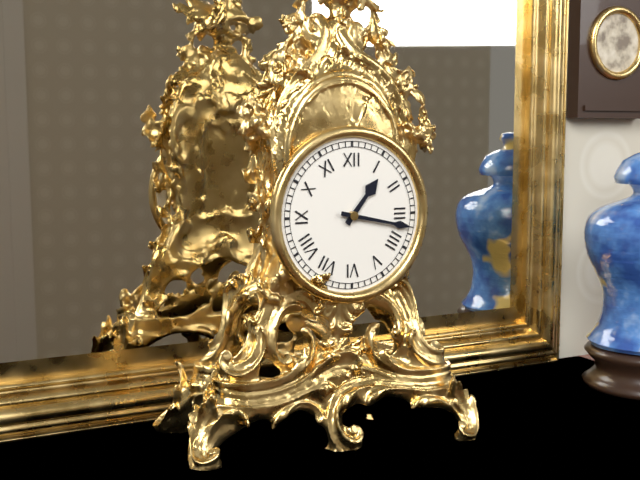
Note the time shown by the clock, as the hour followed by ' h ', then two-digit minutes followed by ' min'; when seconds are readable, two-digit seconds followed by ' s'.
1 h 17 min
